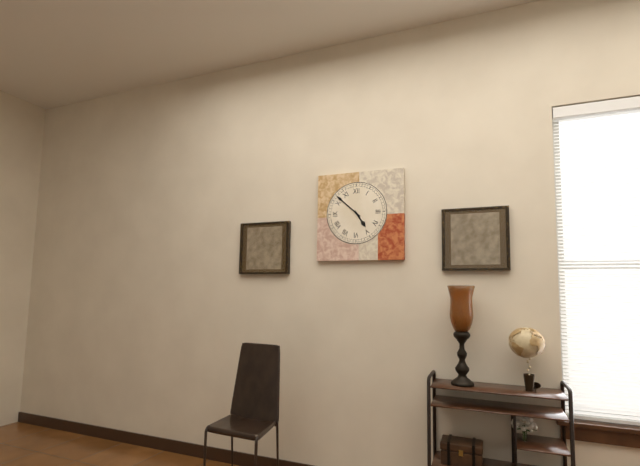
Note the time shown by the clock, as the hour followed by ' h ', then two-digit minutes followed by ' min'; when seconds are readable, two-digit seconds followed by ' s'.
4 h 52 min
